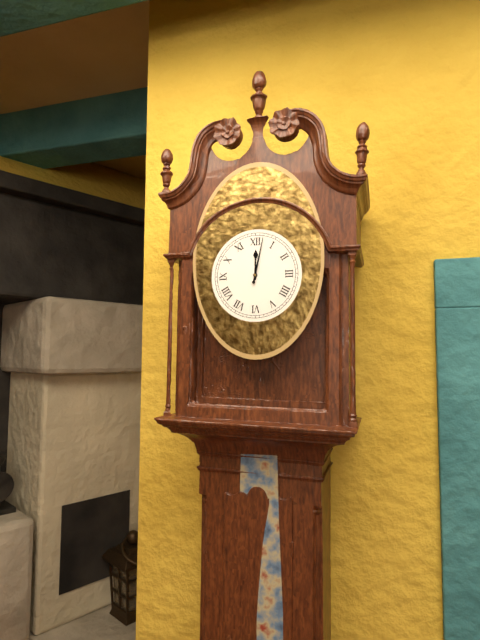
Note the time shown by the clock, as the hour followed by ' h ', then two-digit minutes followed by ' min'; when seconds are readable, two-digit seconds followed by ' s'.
12 h 02 min
